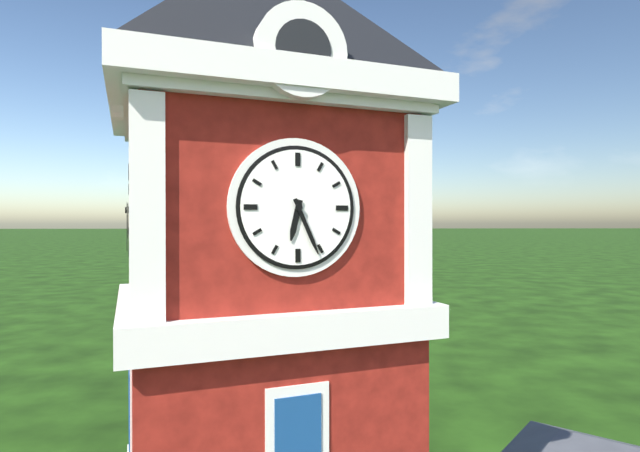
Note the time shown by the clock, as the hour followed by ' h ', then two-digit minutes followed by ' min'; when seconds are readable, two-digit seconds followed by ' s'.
6 h 26 min
